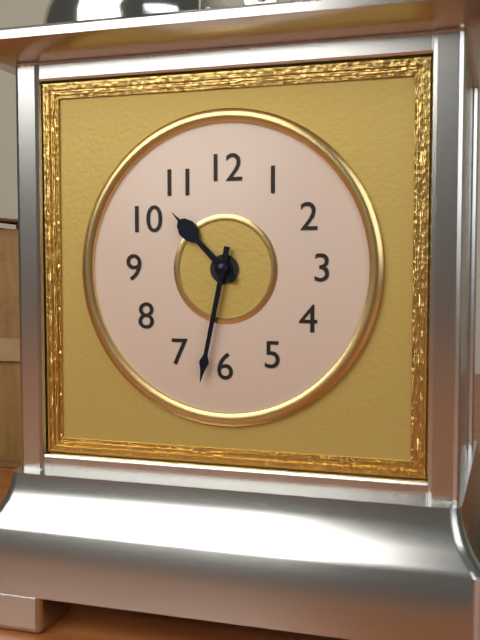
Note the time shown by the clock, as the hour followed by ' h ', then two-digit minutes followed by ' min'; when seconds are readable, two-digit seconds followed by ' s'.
10 h 32 min
